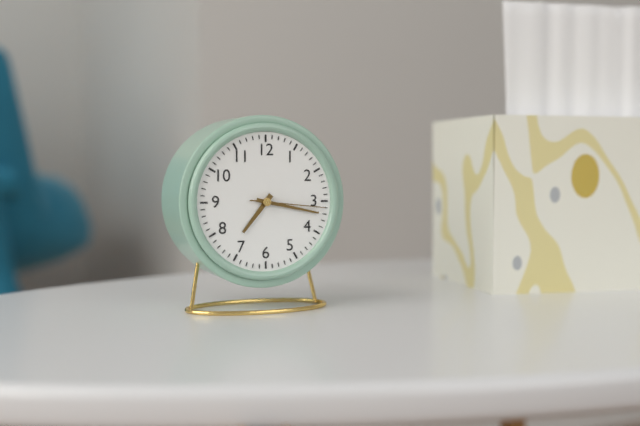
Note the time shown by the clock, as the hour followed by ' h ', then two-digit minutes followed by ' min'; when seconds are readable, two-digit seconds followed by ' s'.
7 h 17 min 16 s
